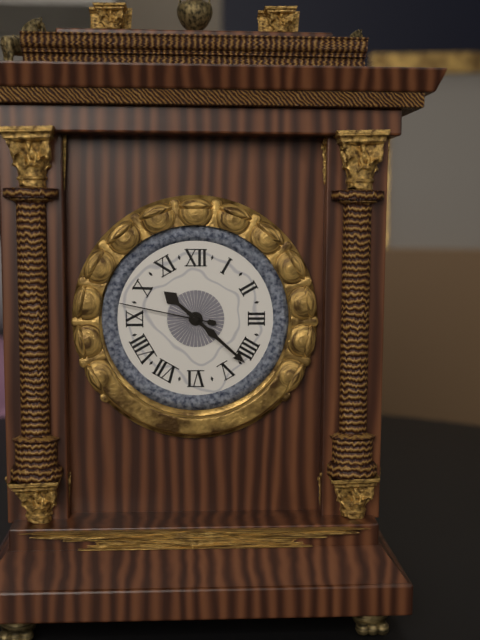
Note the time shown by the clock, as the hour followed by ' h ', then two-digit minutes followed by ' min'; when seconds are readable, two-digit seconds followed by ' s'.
10 h 22 min 47 s
